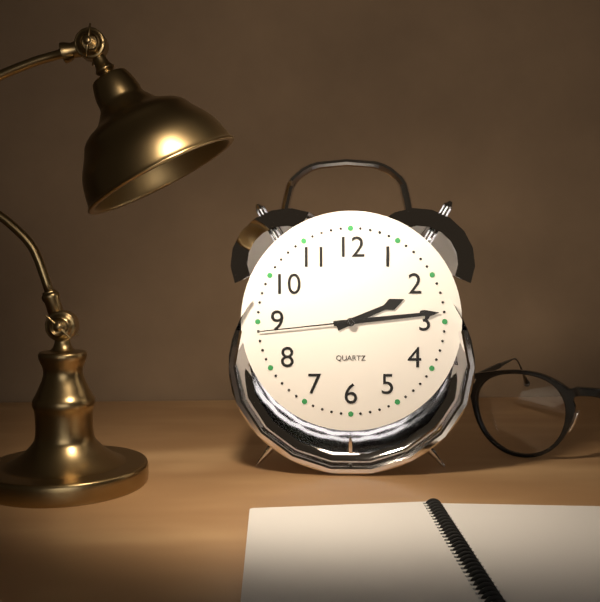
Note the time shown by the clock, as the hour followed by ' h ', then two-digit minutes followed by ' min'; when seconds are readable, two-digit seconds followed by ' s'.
2 h 14 min 44 s
